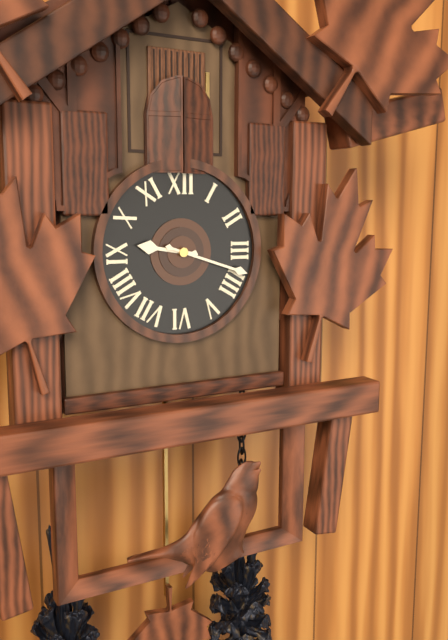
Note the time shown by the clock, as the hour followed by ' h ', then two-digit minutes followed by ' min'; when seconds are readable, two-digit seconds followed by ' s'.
9 h 18 min
